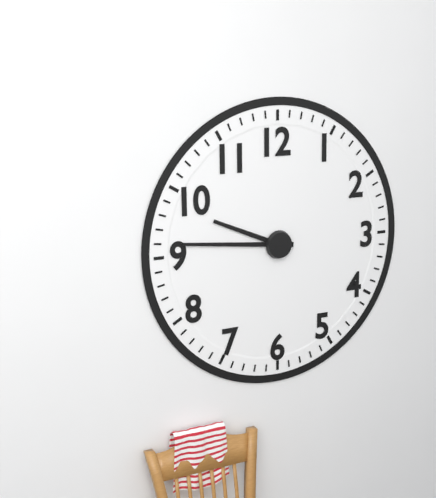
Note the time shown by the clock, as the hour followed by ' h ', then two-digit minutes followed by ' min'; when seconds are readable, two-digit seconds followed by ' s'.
9 h 46 min
